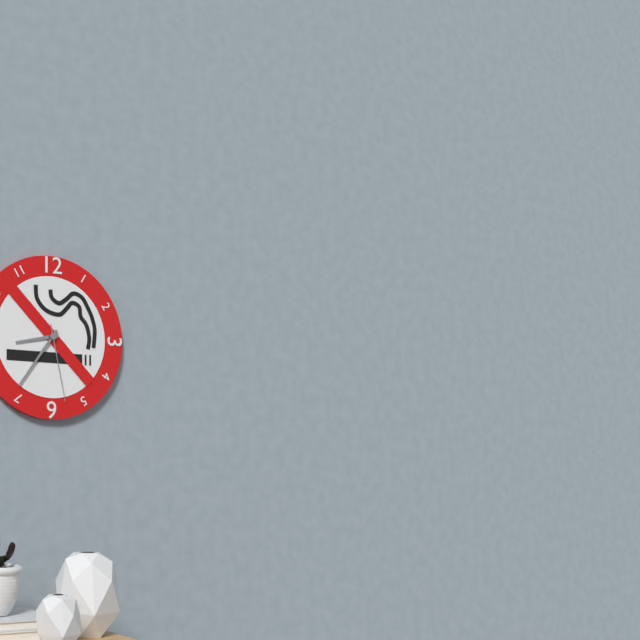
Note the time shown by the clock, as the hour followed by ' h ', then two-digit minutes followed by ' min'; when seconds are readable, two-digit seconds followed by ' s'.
8 h 36 min 28 s
